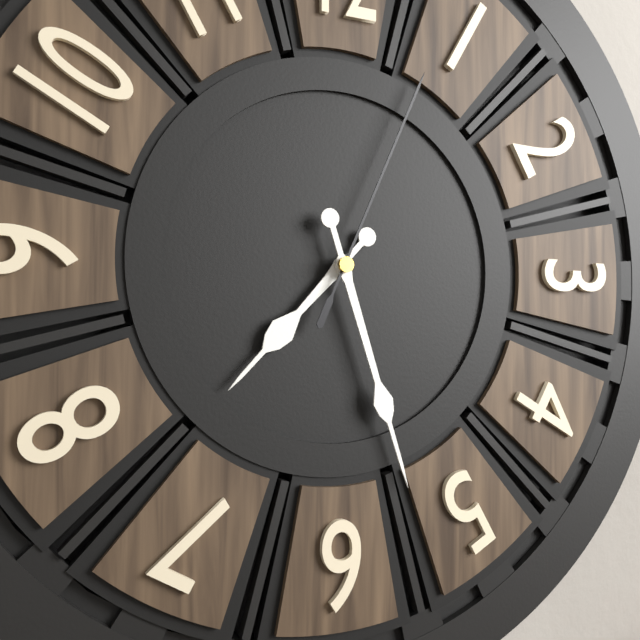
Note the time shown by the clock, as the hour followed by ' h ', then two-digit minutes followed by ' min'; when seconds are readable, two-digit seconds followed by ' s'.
7 h 27 min 04 s
